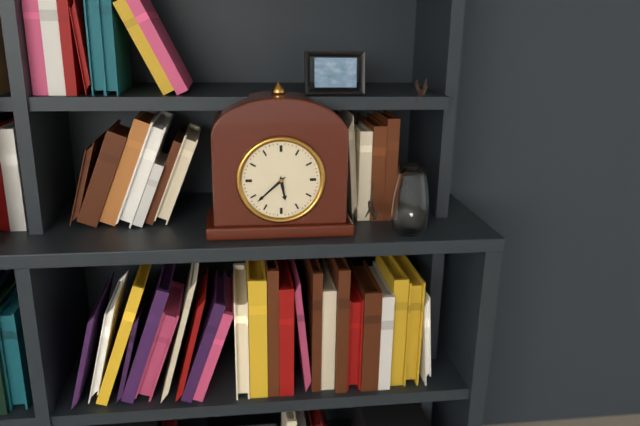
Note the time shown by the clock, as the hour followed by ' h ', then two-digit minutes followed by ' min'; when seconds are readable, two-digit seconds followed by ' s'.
5 h 38 min
